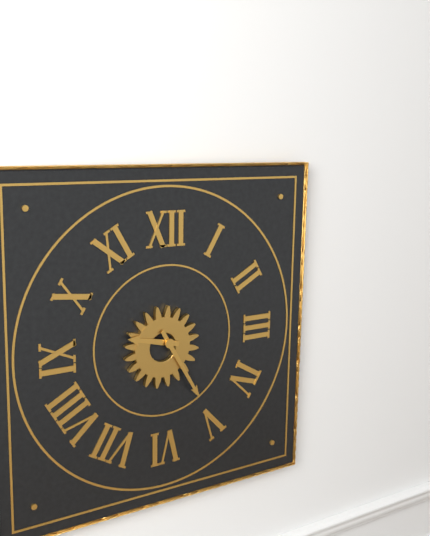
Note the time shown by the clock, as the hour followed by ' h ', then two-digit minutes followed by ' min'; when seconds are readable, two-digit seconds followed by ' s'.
9 h 25 min
